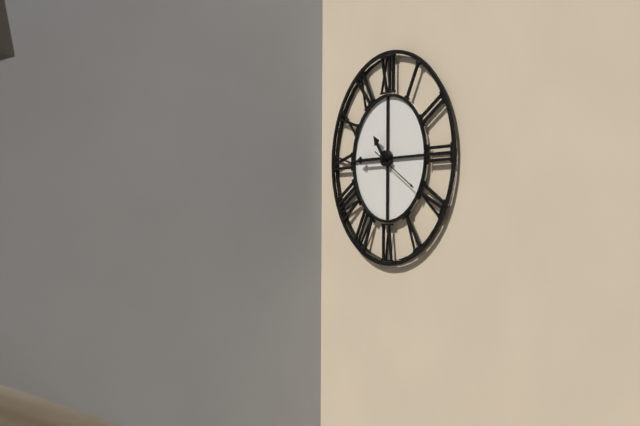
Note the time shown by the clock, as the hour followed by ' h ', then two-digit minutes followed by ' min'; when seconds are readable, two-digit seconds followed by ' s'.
10 h 45 min 20 s
